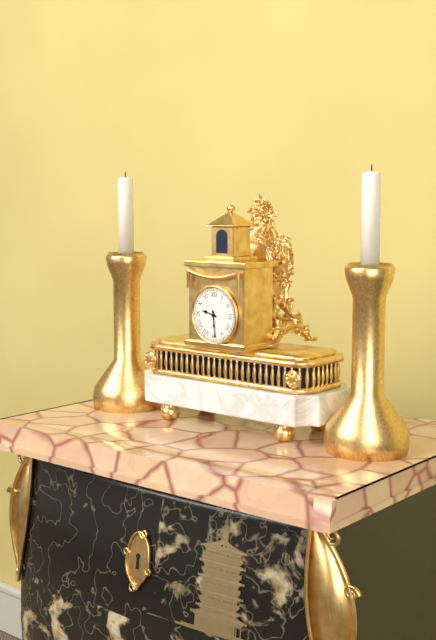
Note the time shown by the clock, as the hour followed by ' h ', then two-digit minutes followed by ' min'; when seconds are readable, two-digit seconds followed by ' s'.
9 h 29 min
